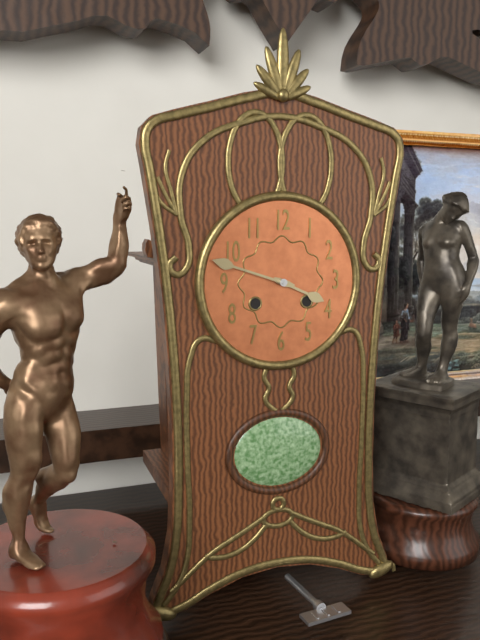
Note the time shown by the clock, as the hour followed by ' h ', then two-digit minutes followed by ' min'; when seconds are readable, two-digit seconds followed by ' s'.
3 h 48 min
